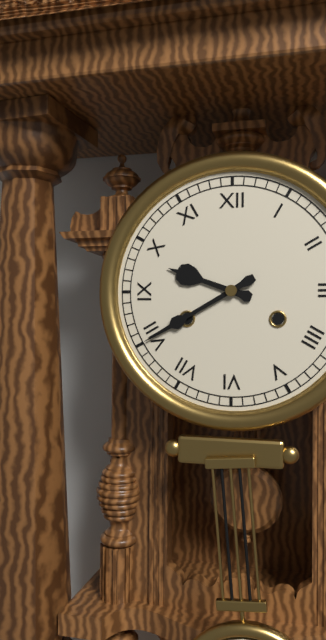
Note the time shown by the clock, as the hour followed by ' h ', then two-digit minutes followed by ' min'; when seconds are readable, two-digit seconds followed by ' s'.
9 h 40 min
